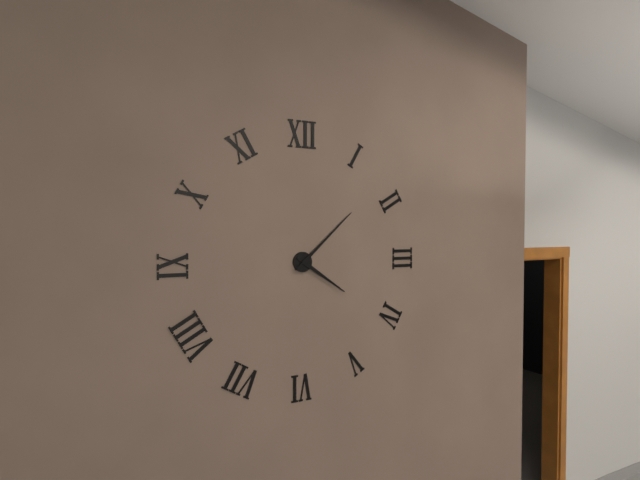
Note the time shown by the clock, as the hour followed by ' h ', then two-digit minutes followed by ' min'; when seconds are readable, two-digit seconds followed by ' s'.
4 h 08 min
